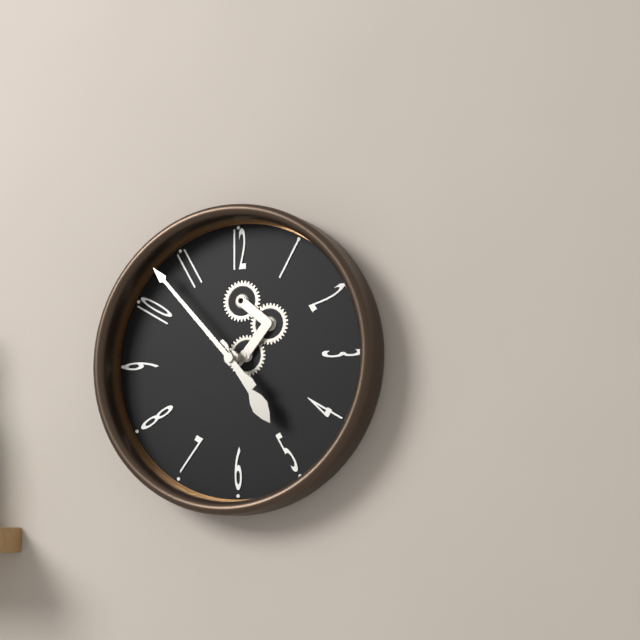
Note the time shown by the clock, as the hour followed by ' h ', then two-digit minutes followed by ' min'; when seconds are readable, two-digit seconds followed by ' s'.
4 h 53 min
